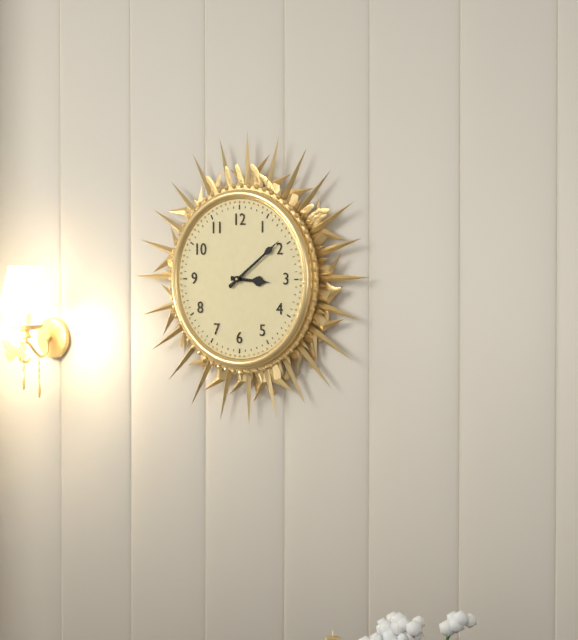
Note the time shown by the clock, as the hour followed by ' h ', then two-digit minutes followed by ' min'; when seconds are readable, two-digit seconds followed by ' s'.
3 h 09 min
